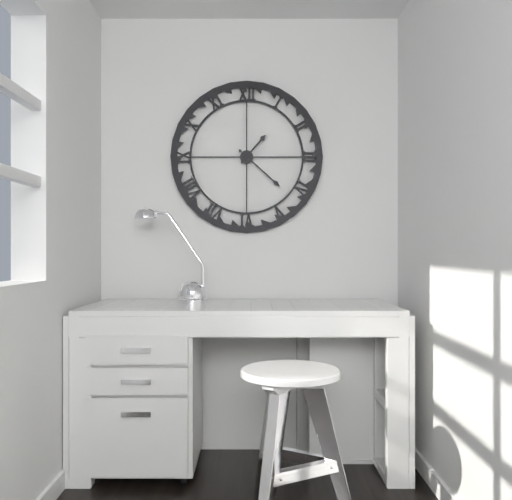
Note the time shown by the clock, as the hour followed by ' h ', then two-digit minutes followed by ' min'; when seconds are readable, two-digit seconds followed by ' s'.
1 h 22 min
